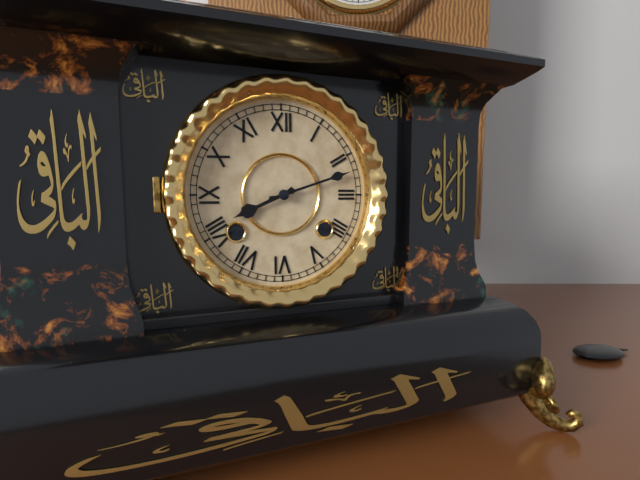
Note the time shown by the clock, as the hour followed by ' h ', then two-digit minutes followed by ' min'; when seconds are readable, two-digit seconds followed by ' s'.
8 h 12 min
